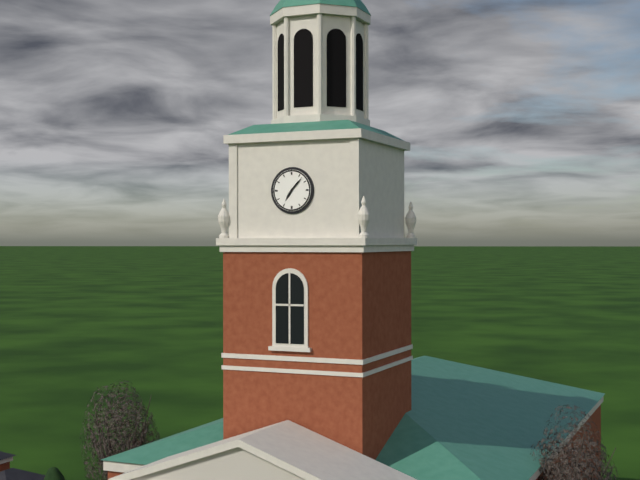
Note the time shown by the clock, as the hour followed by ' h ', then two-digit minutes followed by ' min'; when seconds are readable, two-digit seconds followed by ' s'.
7 h 07 min
